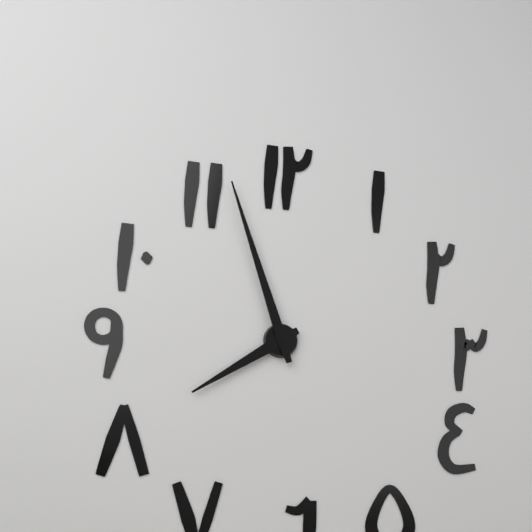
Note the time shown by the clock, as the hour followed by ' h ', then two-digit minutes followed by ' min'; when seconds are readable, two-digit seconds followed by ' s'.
7 h 57 min
